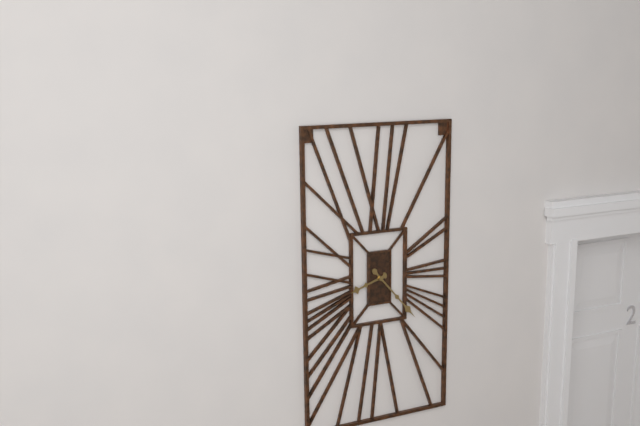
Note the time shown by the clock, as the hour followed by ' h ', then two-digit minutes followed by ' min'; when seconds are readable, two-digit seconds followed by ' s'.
8 h 23 min
